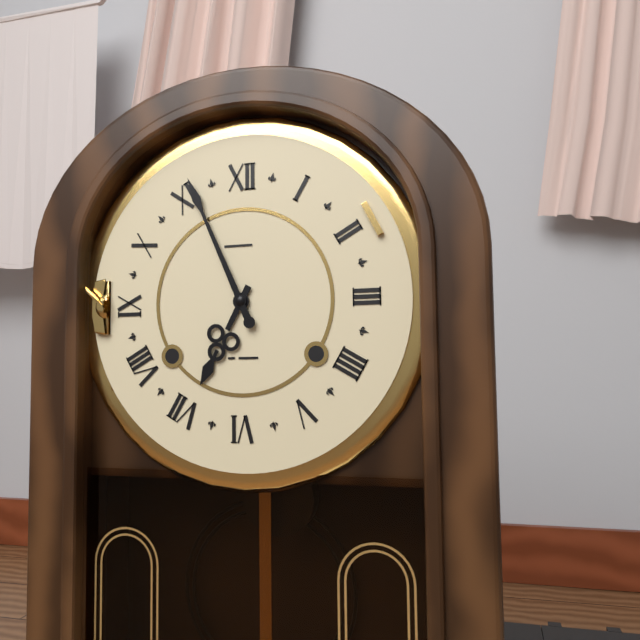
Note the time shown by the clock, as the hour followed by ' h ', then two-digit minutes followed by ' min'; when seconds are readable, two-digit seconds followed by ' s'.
6 h 56 min
